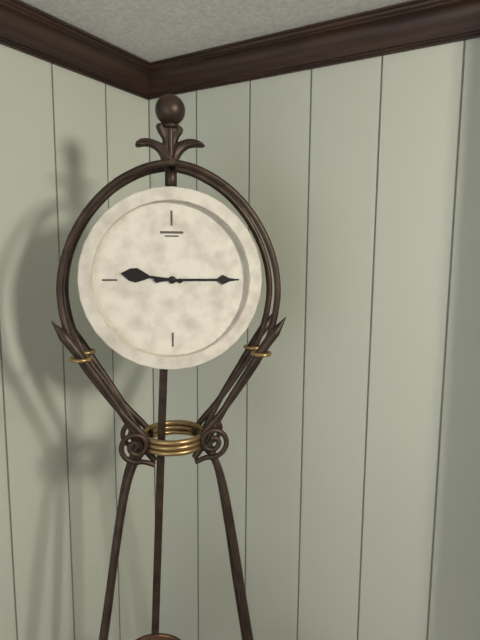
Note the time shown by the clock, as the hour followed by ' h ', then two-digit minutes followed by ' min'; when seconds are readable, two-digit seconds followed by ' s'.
9 h 15 min
